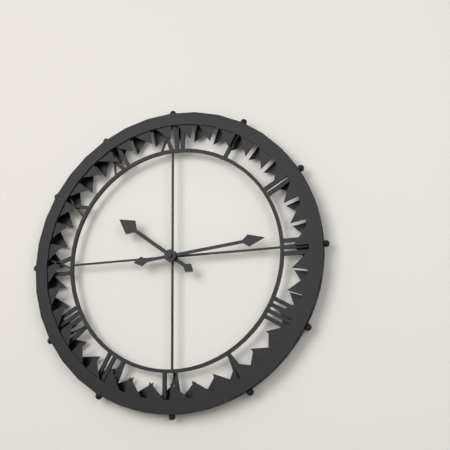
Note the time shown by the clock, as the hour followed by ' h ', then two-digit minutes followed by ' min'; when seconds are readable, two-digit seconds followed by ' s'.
10 h 14 min
